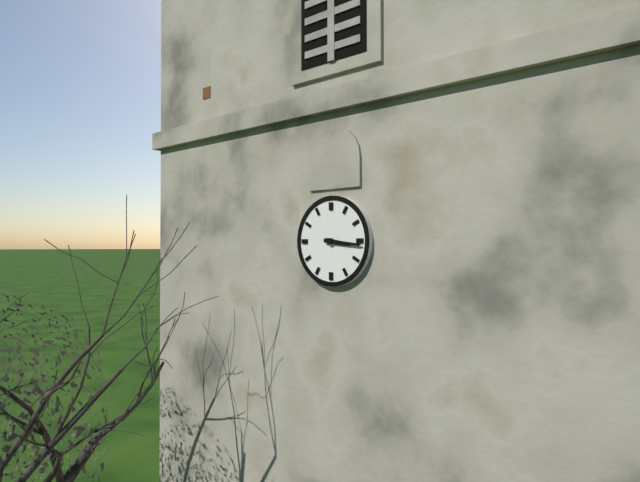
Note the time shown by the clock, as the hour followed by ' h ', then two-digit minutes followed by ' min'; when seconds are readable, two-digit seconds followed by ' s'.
3 h 16 min
